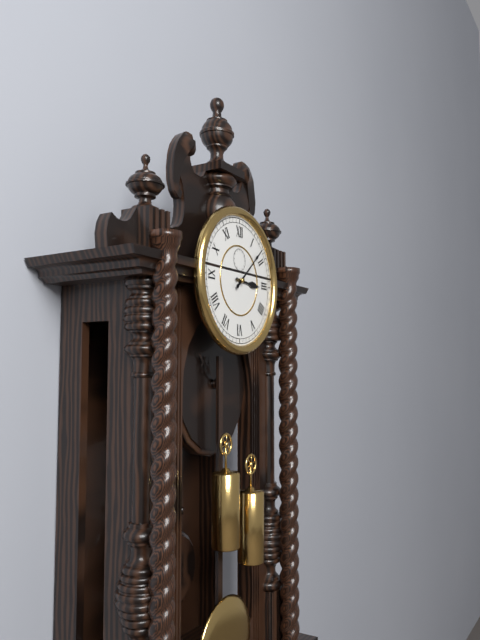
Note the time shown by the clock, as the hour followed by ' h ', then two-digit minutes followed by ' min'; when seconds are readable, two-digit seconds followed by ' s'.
3 h 08 min
